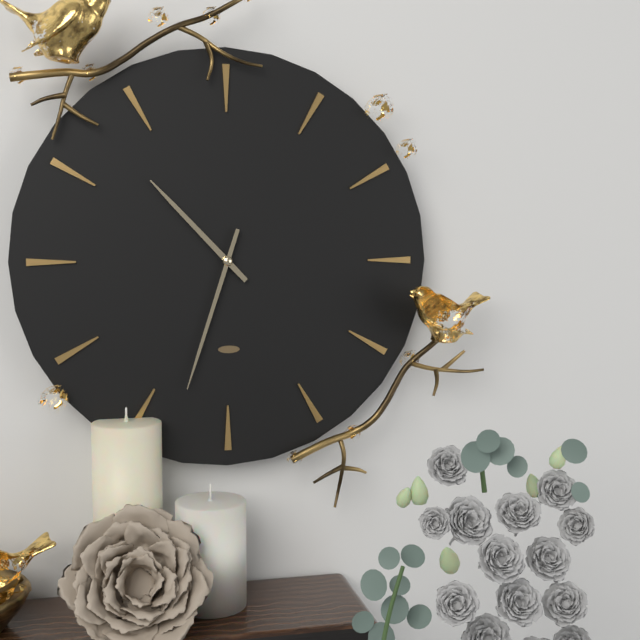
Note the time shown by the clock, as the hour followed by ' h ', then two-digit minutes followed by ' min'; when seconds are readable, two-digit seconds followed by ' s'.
10 h 33 min
